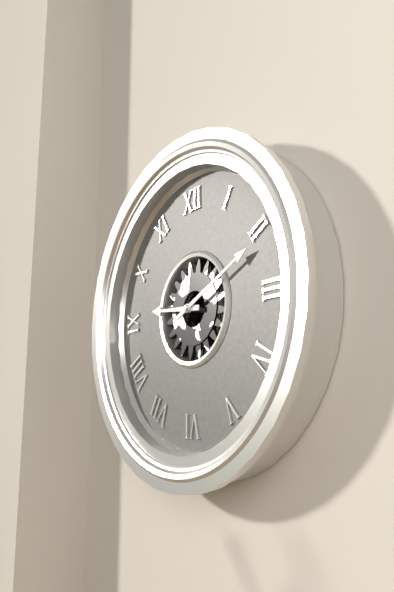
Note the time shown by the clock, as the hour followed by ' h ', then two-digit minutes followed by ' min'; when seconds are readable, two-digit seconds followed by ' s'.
9 h 11 min
